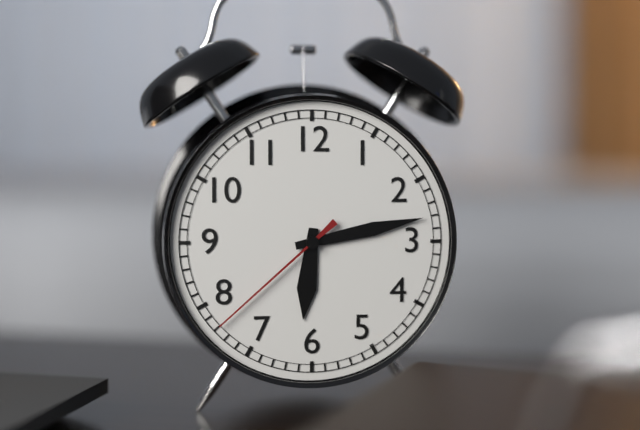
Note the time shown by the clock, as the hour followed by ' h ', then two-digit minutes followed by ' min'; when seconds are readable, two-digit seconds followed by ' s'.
6 h 13 min 38 s
